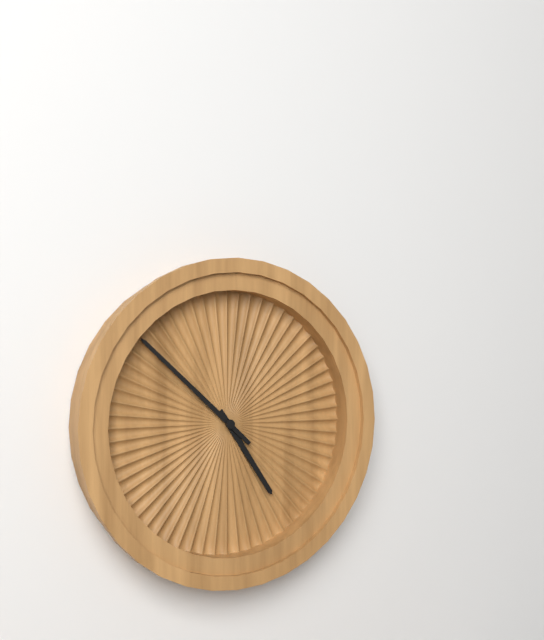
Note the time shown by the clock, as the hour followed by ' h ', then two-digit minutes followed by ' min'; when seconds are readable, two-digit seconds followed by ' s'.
4 h 52 min
